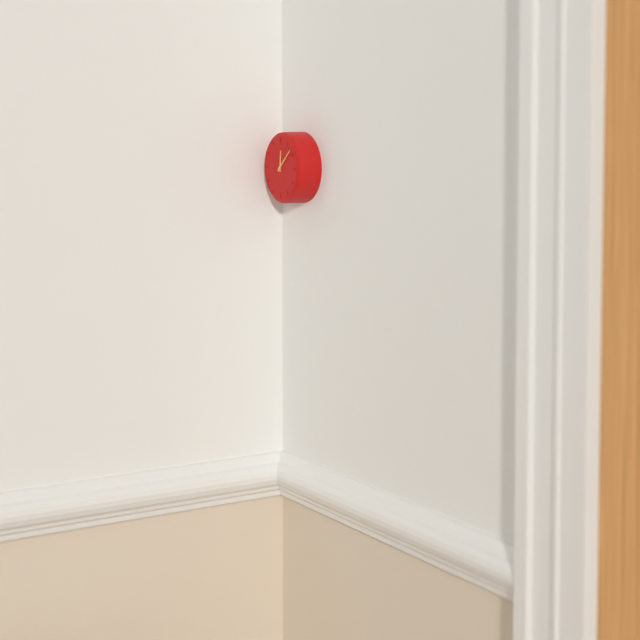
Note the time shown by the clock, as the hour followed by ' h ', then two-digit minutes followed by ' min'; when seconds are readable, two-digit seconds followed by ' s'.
12 h 08 min
